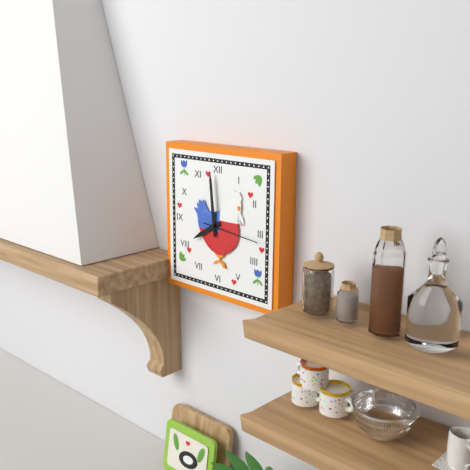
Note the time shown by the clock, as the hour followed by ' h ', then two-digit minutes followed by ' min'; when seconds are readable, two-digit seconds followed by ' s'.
7 h 59 min 16 s
